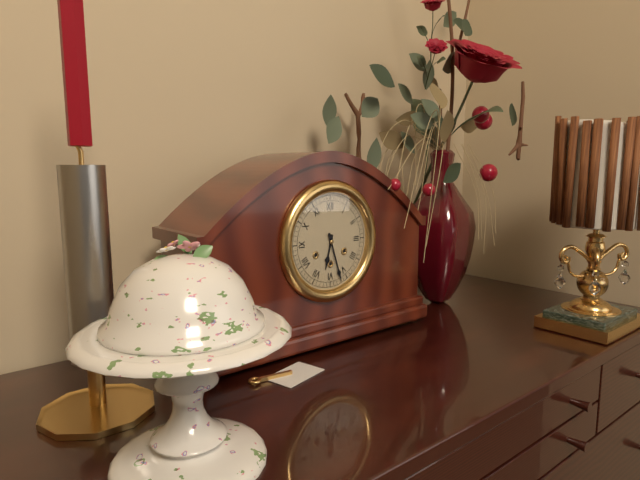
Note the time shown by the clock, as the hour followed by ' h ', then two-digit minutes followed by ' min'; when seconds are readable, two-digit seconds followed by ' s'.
6 h 27 min
